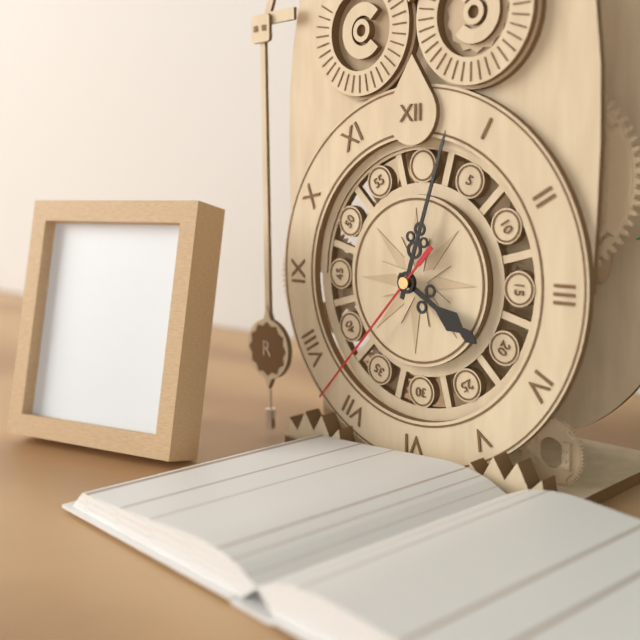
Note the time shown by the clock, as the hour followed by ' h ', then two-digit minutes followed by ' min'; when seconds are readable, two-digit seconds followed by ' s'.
4 h 03 min 37 s
